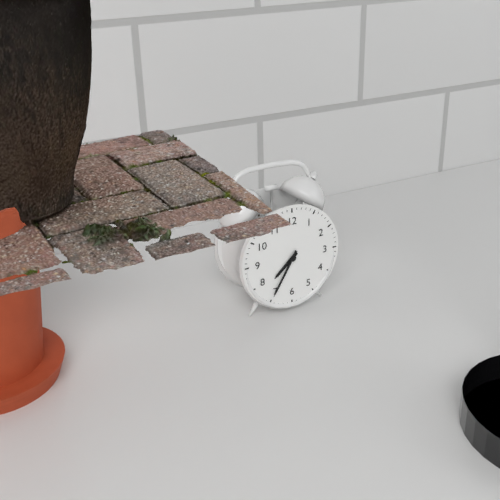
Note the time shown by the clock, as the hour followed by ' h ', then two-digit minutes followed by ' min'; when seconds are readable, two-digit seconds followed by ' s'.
7 h 35 min
